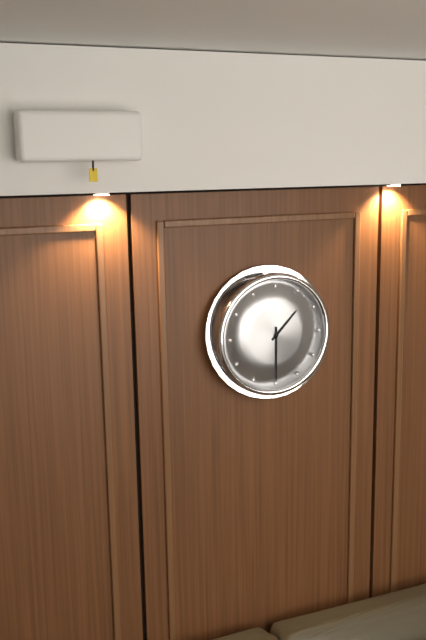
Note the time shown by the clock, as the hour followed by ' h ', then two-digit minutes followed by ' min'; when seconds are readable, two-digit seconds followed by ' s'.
1 h 30 min
